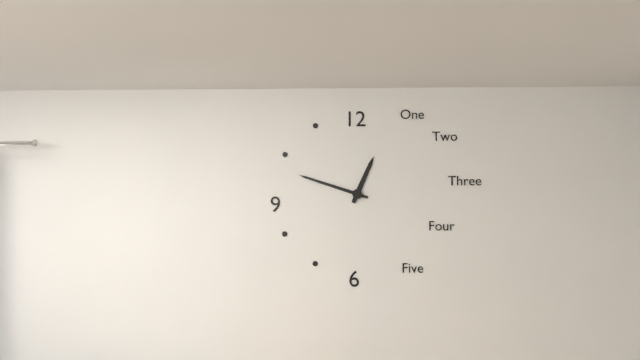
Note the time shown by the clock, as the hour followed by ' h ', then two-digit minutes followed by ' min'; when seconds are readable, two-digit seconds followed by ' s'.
12 h 48 min
